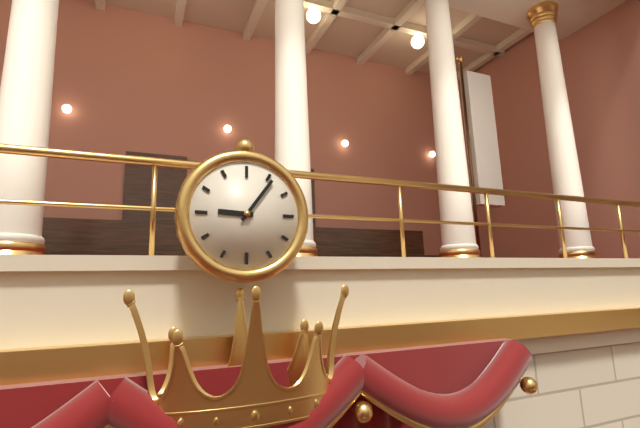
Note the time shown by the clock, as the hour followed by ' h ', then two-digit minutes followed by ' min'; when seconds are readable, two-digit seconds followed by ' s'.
9 h 06 min
